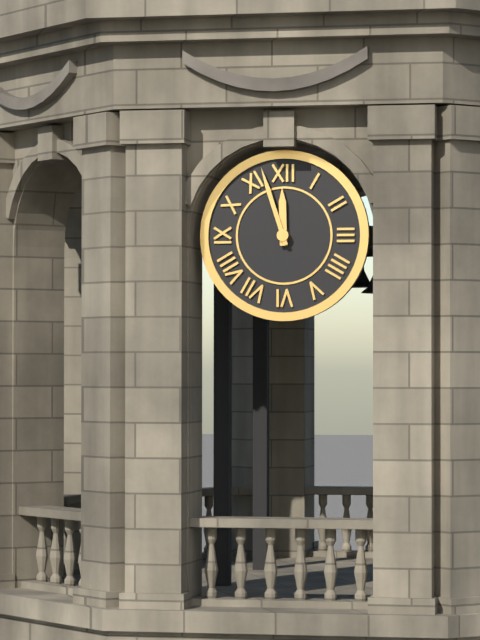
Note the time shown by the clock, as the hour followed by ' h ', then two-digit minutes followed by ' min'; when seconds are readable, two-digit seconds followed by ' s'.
11 h 57 min
